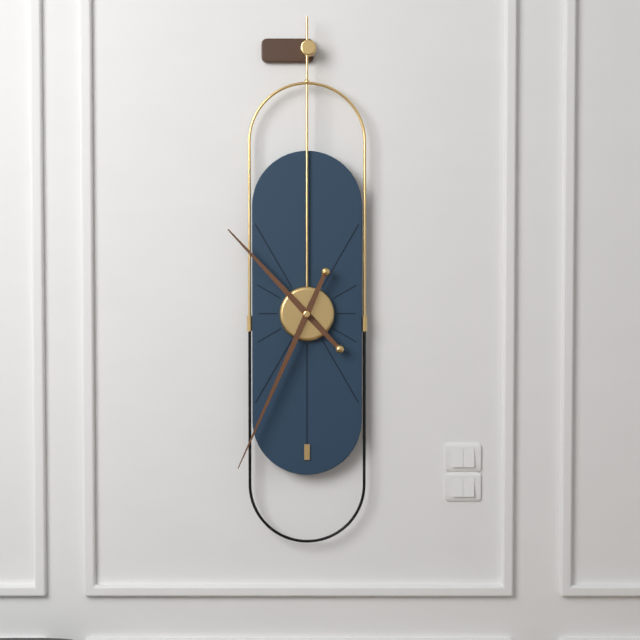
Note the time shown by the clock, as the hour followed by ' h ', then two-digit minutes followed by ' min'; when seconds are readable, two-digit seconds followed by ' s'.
10 h 34 min
